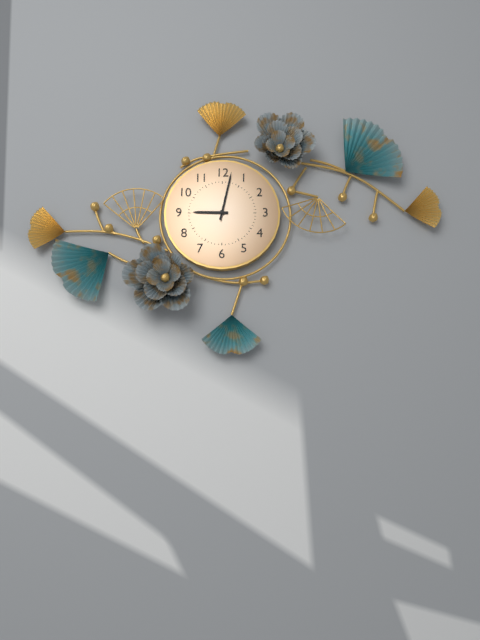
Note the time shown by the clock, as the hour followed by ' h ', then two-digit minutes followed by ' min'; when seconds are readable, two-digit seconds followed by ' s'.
9 h 02 min
